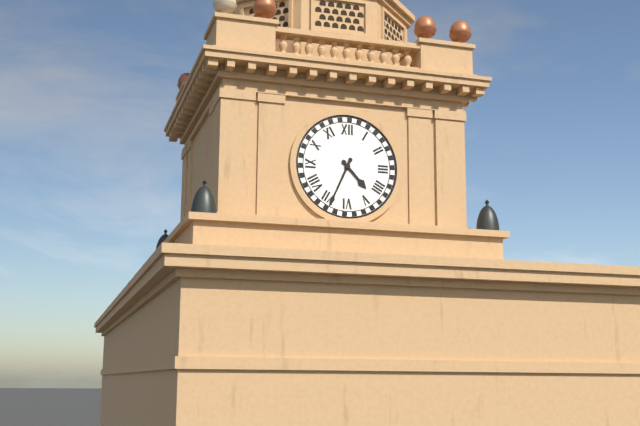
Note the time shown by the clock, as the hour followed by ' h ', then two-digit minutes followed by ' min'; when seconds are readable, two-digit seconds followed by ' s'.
4 h 34 min
